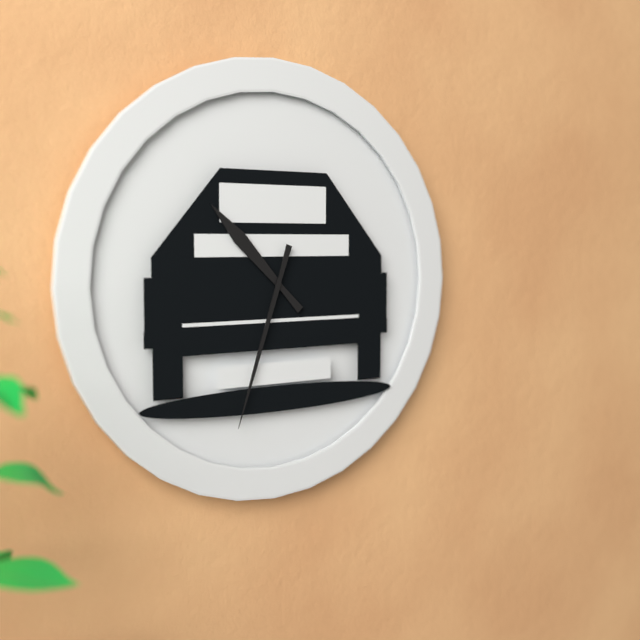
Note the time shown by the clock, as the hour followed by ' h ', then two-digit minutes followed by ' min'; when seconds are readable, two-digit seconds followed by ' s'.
10 h 33 min
